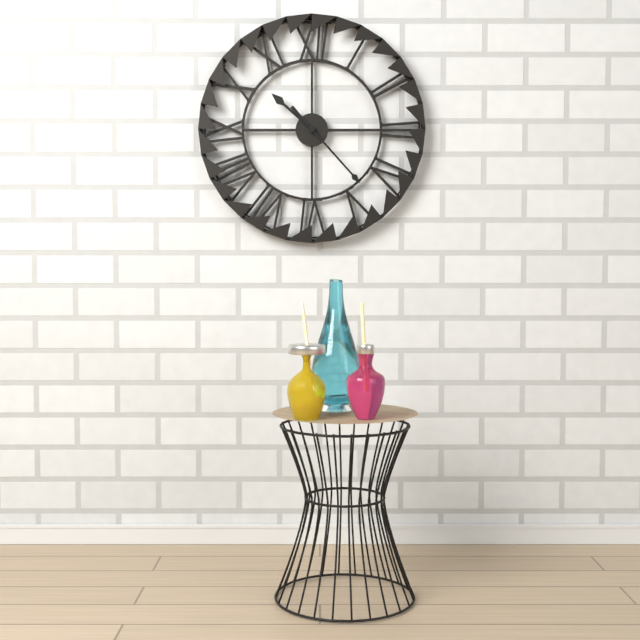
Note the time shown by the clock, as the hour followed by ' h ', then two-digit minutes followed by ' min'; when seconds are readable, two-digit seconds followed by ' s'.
10 h 23 min
